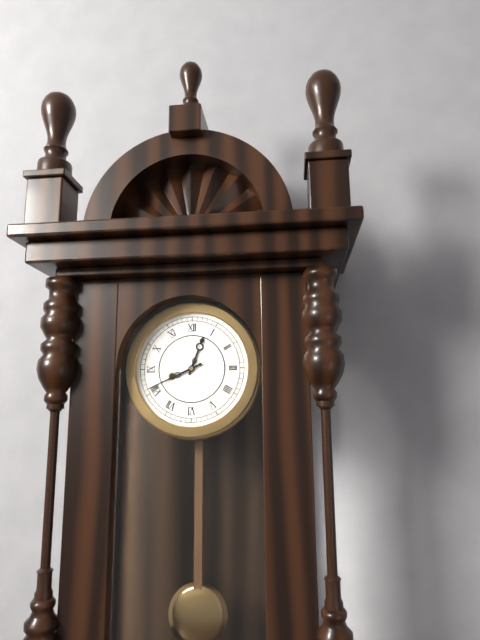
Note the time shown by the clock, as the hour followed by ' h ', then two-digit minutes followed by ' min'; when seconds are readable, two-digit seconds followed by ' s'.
12 h 41 min
